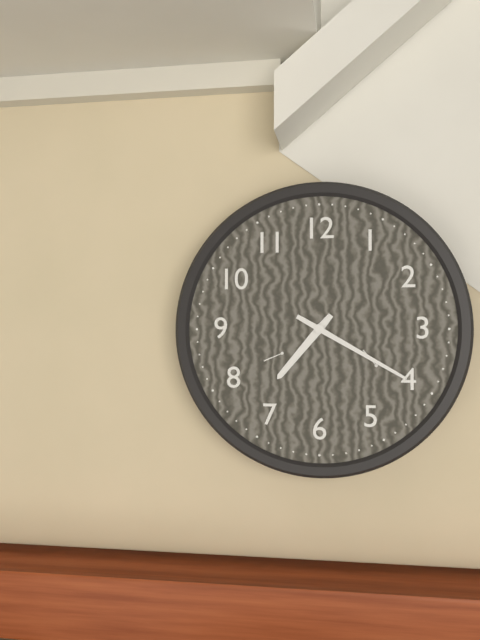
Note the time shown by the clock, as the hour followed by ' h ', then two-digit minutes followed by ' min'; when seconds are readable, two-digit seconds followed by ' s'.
7 h 20 min
